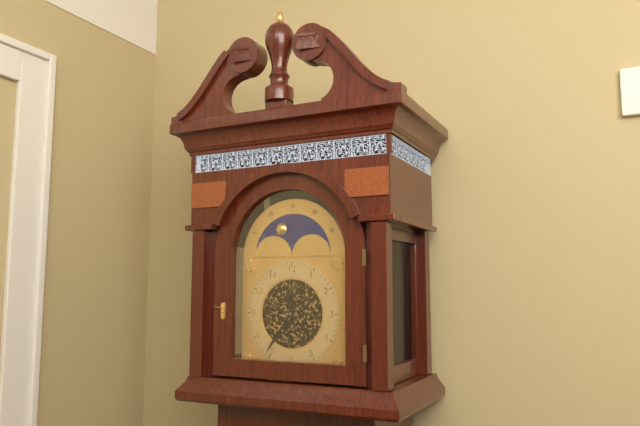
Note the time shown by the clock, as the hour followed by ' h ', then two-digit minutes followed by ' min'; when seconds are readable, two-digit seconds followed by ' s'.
11 h 36 min
